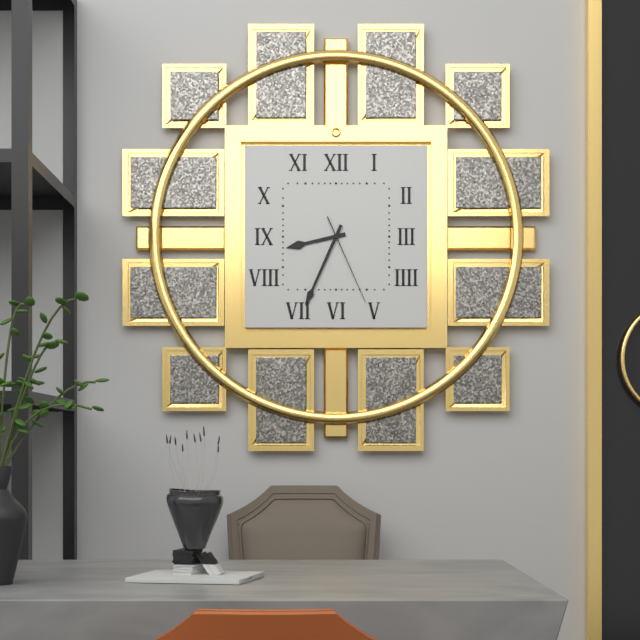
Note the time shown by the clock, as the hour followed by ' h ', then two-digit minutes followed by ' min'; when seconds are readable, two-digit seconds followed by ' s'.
8 h 34 min 26 s
